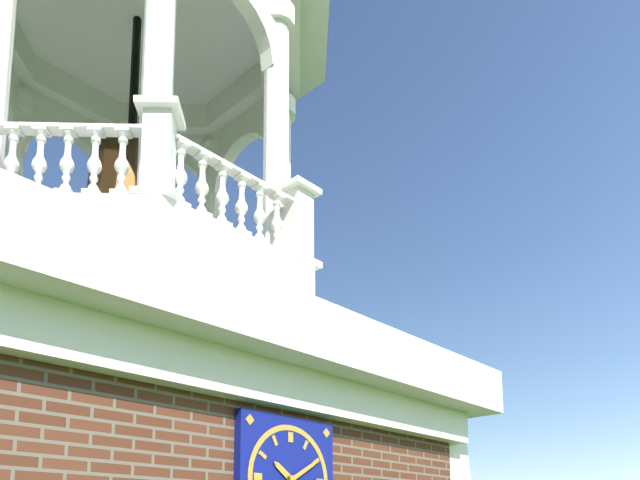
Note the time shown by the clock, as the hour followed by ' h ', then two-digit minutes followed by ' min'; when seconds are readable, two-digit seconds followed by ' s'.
10 h 10 min
